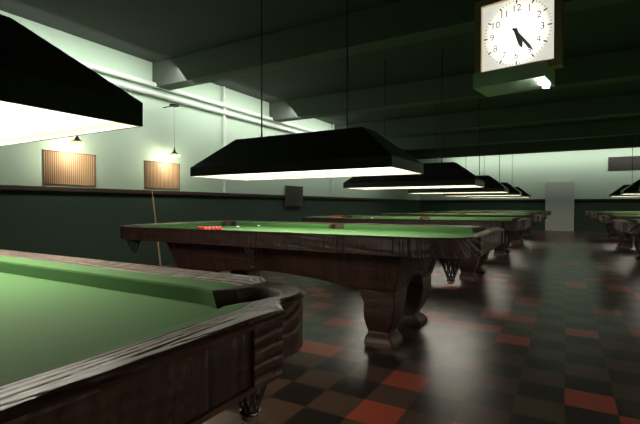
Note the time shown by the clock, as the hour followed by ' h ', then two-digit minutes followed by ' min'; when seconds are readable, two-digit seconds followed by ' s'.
5 h 24 min
